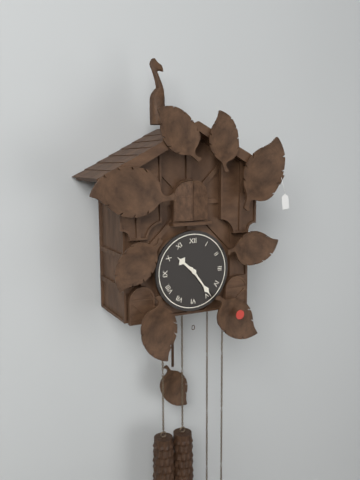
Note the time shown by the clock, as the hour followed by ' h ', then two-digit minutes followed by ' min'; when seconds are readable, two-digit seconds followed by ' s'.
10 h 24 min
